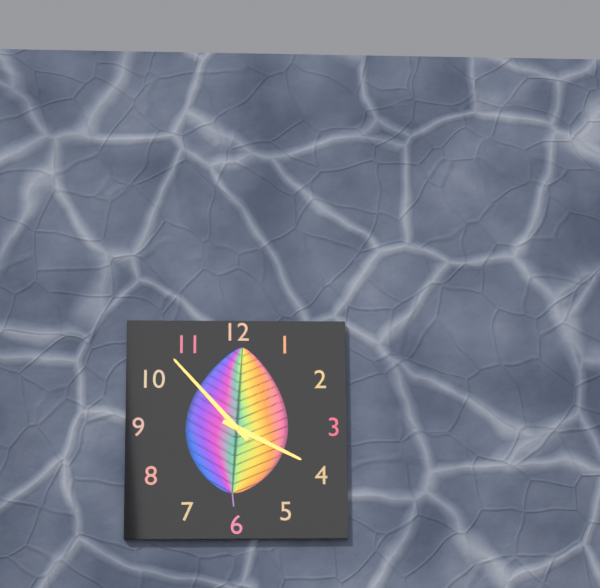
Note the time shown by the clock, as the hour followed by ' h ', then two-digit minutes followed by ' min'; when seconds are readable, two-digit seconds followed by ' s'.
3 h 53 min
